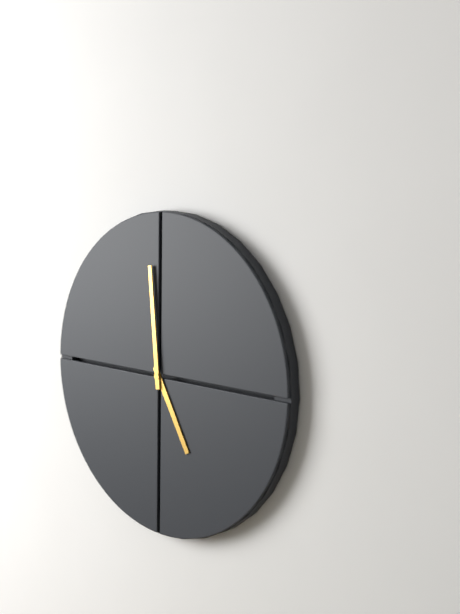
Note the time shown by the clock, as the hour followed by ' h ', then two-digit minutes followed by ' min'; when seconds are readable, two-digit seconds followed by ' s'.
4 h 59 min
